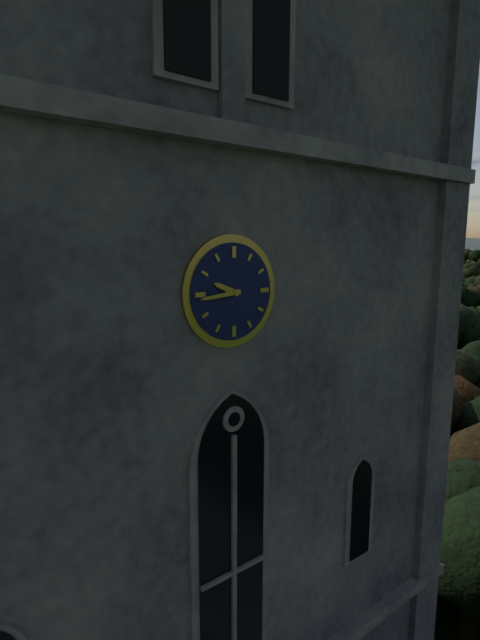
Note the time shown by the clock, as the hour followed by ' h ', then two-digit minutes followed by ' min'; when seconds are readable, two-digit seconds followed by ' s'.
9 h 44 min
